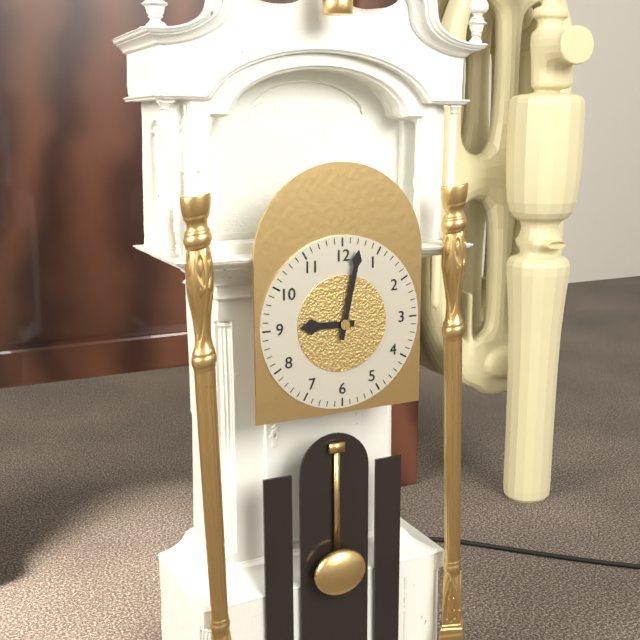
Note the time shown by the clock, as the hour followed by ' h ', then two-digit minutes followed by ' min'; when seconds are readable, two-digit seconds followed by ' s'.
9 h 02 min
